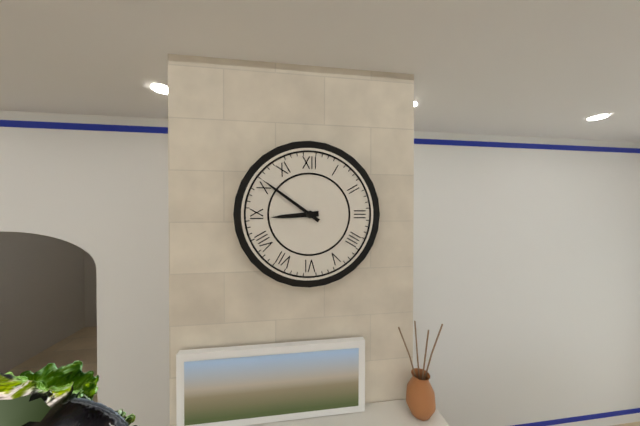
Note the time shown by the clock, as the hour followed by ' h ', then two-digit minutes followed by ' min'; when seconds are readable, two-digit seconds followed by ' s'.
8 h 51 min
